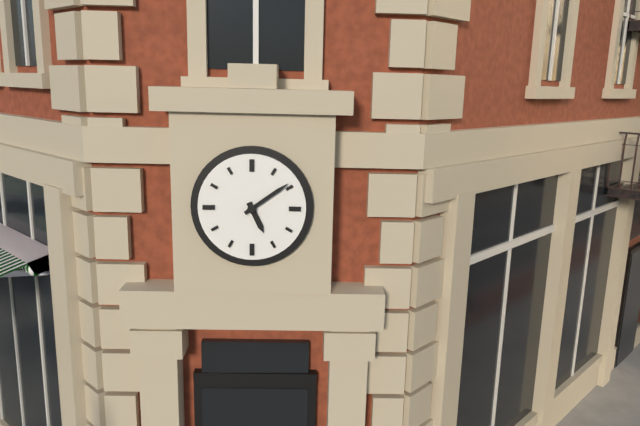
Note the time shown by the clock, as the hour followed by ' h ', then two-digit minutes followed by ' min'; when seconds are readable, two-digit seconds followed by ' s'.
5 h 09 min
